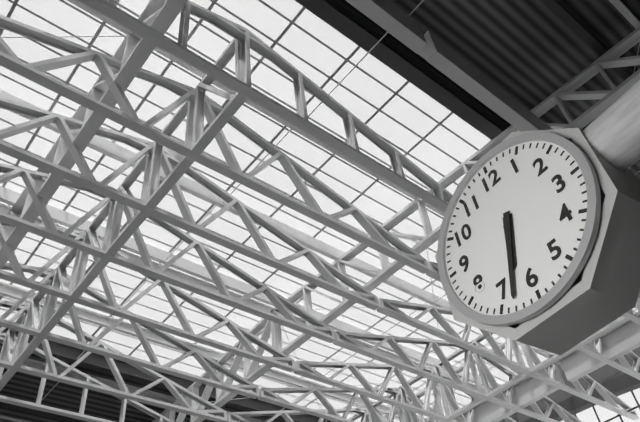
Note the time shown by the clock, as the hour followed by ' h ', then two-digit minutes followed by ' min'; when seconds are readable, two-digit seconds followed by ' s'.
6 h 33 min
